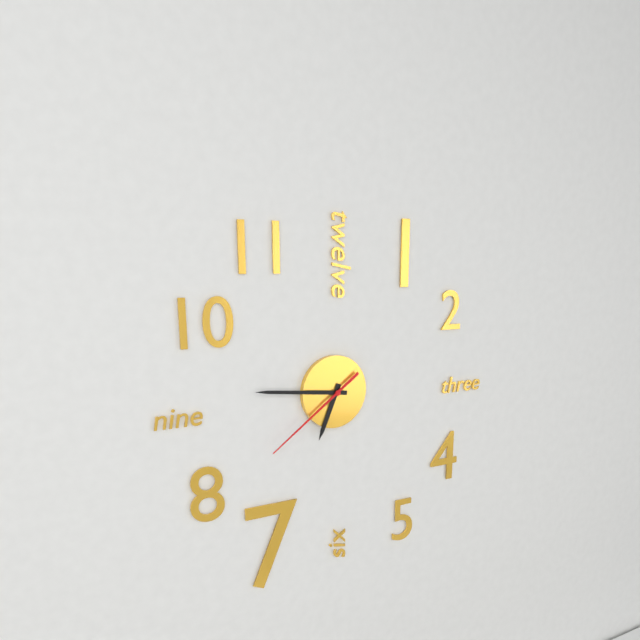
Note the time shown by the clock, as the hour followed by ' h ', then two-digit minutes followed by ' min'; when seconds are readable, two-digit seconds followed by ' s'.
6 h 46 min 39 s
